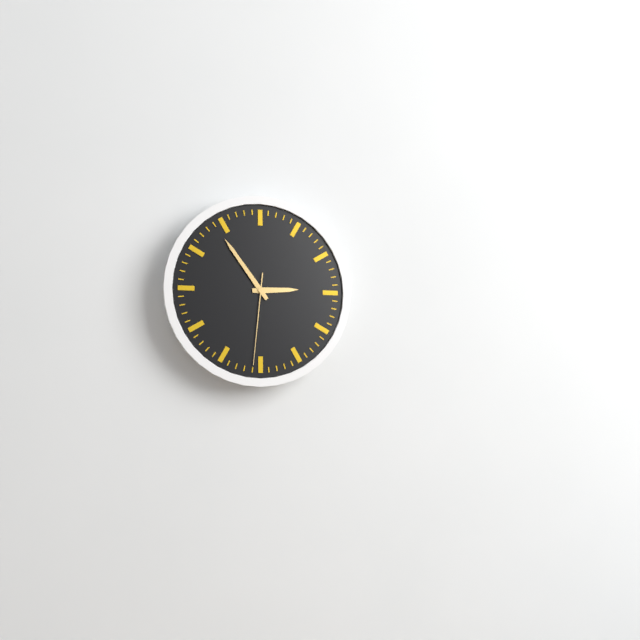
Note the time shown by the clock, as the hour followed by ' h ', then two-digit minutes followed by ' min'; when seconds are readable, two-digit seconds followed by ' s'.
2 h 54 min 31 s
